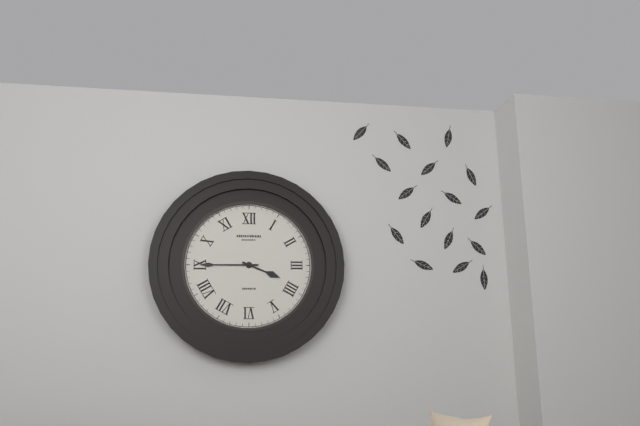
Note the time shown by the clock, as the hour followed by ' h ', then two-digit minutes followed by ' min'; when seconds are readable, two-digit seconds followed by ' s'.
3 h 45 min
